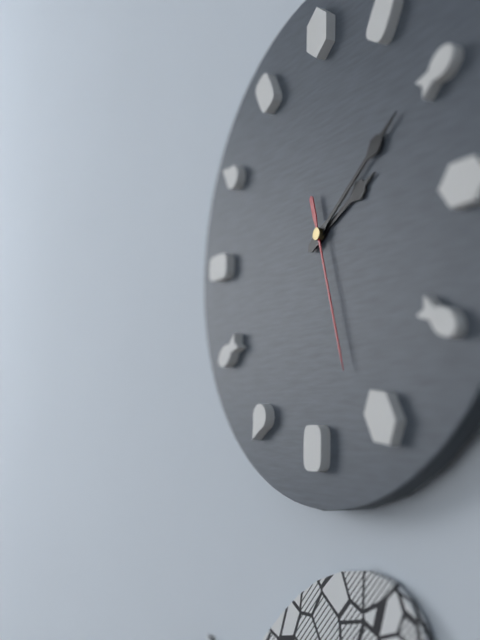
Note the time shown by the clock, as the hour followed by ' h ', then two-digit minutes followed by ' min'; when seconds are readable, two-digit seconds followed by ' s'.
2 h 09 min 27 s
